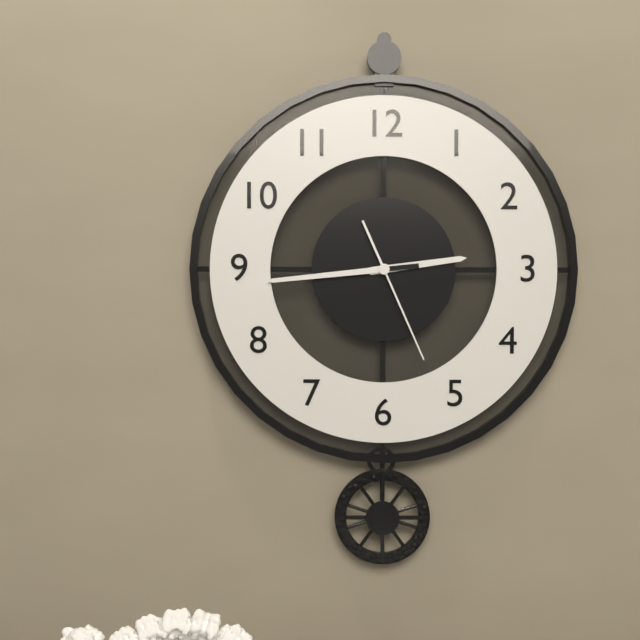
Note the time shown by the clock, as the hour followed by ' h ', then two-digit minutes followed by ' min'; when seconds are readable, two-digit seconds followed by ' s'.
2 h 44 min 26 s
